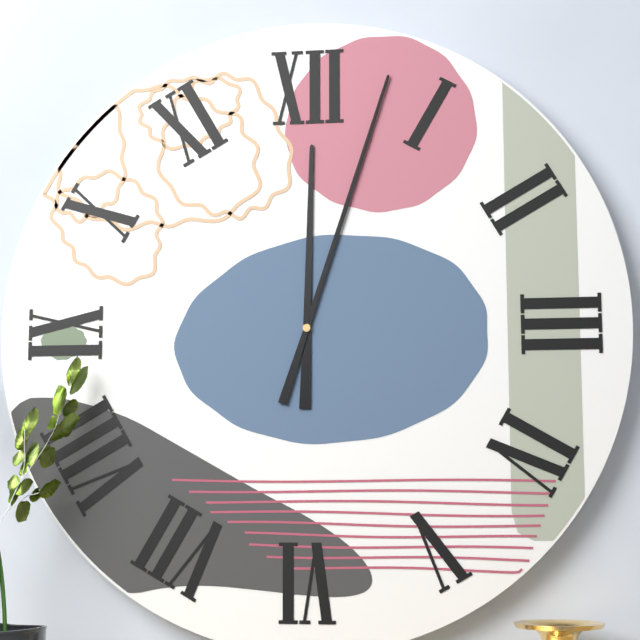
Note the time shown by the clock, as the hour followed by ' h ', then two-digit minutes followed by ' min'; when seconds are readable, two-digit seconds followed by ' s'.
12 h 03 min
